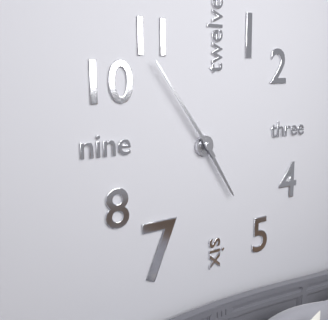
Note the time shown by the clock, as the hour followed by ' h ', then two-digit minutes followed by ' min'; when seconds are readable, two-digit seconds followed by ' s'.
4 h 54 min
